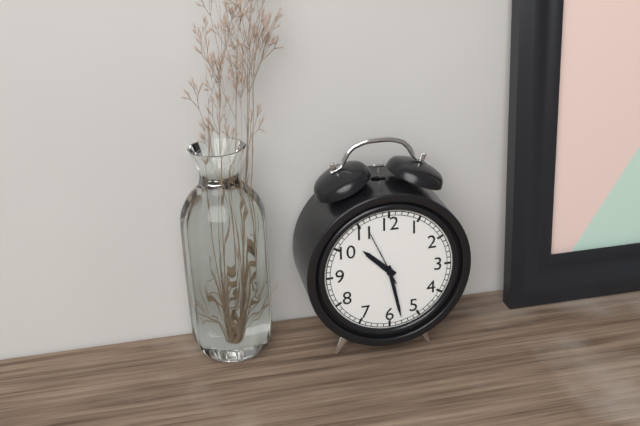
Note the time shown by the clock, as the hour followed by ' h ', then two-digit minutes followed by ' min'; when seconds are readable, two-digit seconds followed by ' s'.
10 h 28 min 56 s
